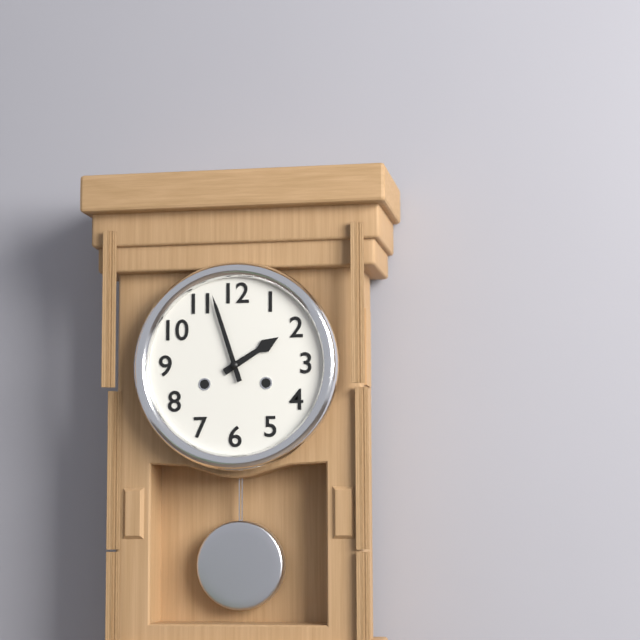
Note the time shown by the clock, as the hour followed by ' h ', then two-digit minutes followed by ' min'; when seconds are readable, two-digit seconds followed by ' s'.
1 h 57 min
